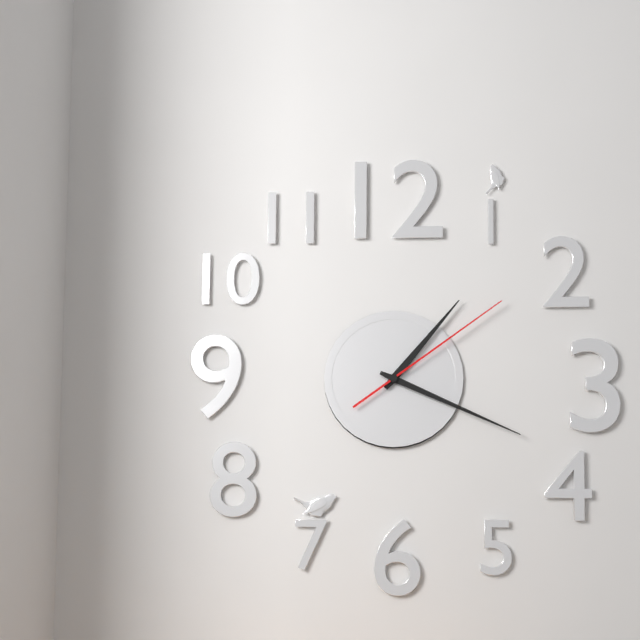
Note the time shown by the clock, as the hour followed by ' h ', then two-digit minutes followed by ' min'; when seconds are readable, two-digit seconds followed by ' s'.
1 h 19 min 09 s
